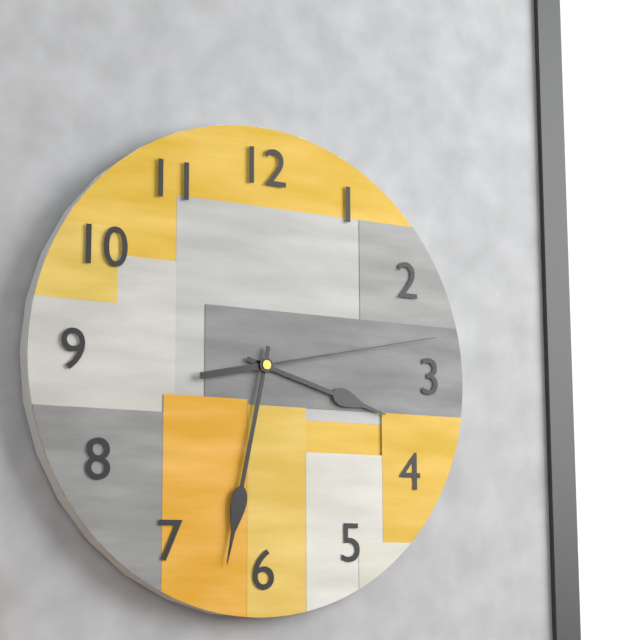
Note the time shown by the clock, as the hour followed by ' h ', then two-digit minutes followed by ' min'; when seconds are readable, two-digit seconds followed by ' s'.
3 h 32 min 13 s
